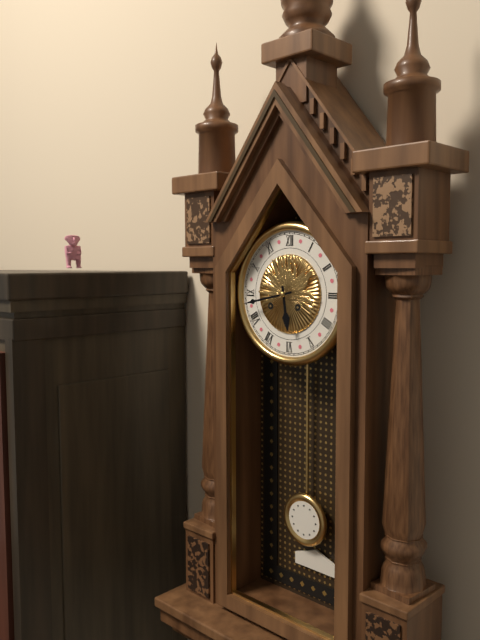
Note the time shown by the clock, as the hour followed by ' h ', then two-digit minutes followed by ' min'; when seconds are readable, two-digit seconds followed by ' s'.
5 h 43 min
